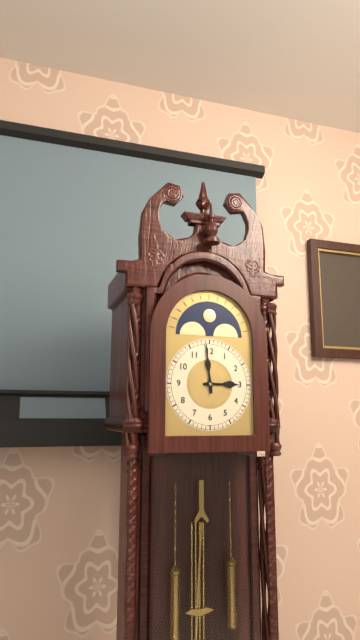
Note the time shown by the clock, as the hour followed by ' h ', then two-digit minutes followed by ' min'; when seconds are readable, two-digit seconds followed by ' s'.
2 h 59 min
